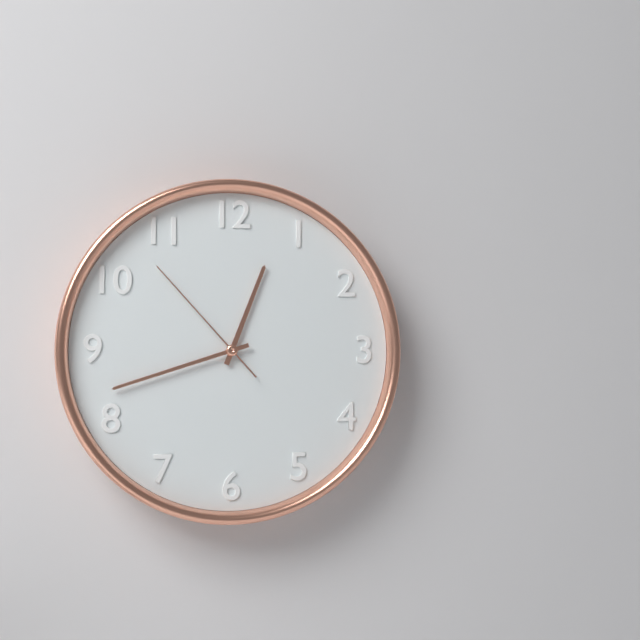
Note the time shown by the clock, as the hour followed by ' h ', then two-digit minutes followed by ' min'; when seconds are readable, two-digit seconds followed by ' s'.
12 h 42 min 53 s
